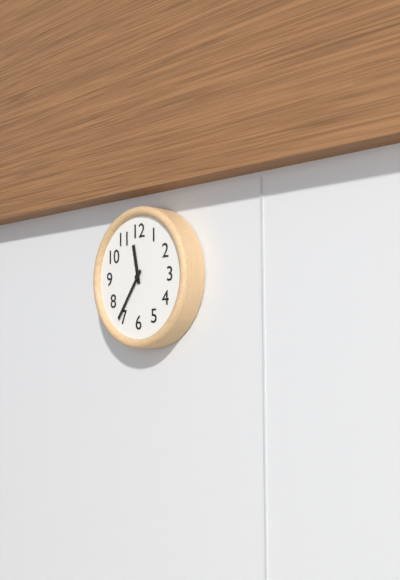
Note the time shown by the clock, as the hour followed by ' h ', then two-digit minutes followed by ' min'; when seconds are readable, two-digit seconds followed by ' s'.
11 h 36 min
